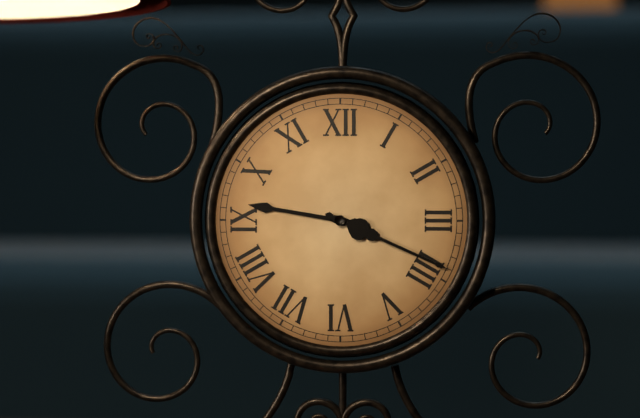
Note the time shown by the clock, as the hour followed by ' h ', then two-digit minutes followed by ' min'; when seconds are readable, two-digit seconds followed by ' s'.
9 h 19 min
